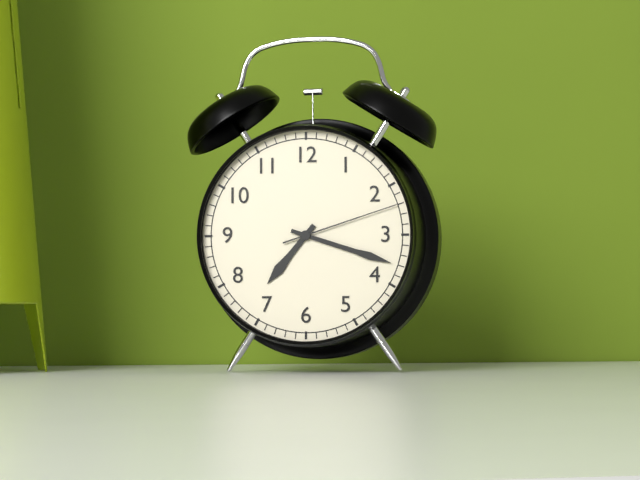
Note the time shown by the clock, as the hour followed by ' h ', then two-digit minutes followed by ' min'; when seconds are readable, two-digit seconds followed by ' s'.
7 h 18 min 12 s
